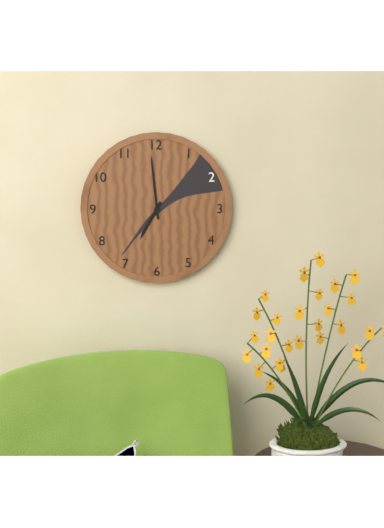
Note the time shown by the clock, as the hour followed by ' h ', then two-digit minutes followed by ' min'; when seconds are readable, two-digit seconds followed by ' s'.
6 h 59 min
